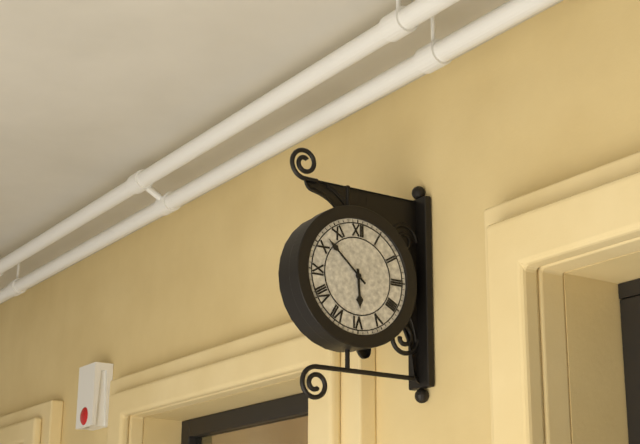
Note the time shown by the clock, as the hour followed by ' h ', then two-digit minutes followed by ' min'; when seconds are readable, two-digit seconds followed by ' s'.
5 h 52 min
